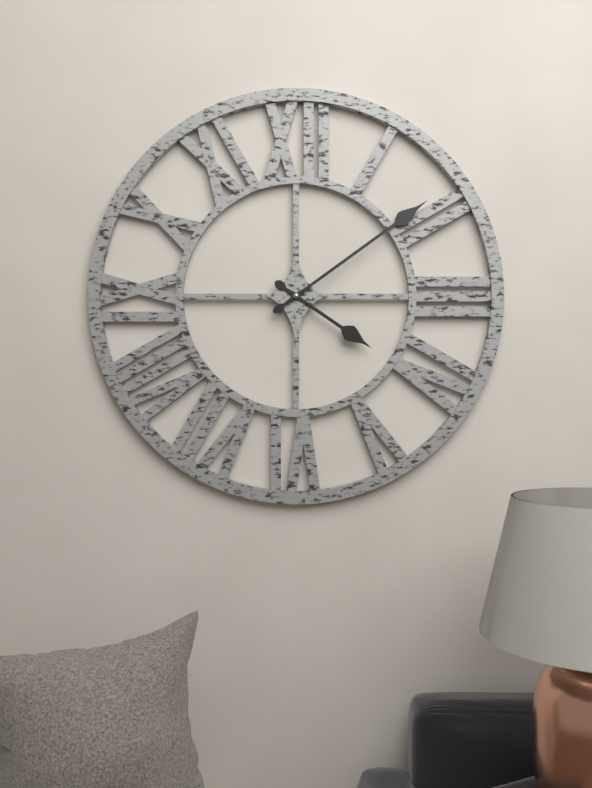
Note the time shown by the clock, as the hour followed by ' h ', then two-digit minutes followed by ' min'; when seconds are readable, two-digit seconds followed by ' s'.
4 h 09 min
